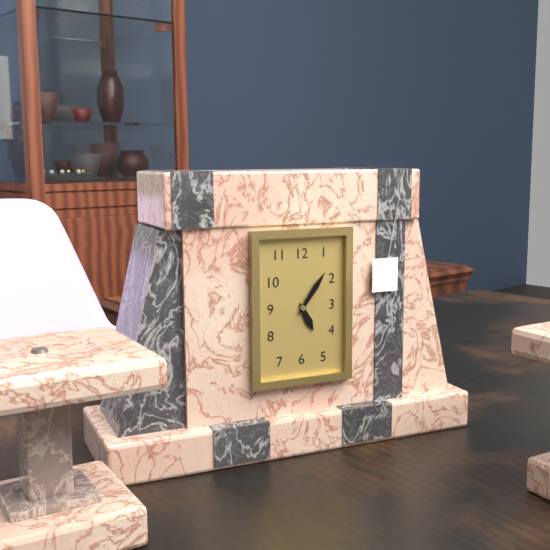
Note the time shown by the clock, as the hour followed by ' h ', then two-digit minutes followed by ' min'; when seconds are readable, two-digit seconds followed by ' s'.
5 h 06 min
